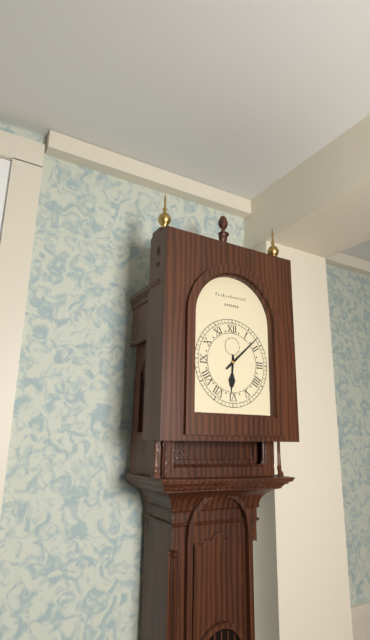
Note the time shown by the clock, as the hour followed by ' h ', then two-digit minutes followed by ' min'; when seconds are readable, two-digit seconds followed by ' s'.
6 h 08 min
